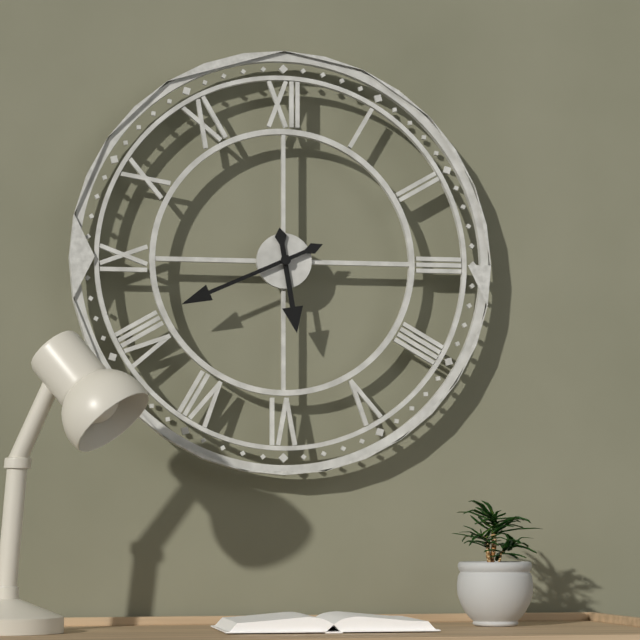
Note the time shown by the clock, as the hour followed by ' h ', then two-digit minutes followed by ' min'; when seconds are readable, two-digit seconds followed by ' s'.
5 h 41 min
